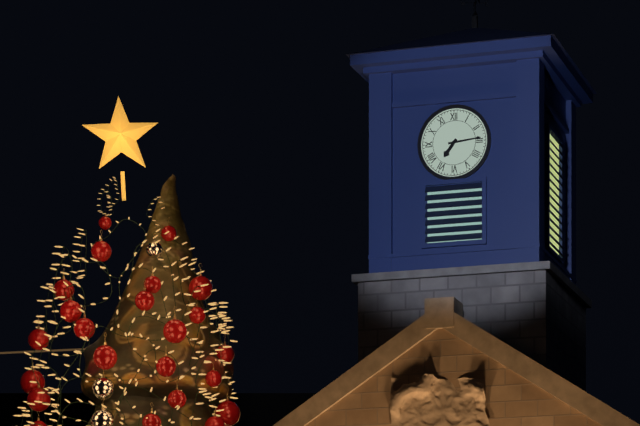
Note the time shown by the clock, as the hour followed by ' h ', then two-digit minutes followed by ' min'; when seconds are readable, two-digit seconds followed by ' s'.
7 h 14 min
